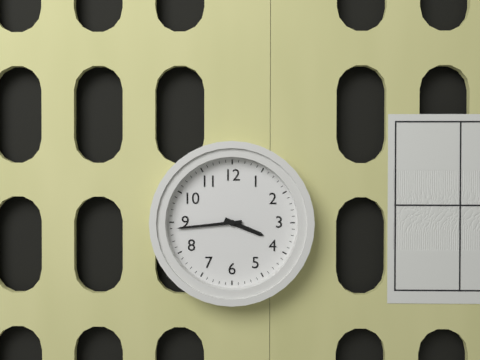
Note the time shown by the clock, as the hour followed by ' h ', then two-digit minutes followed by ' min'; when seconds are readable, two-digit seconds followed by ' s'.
3 h 44 min
